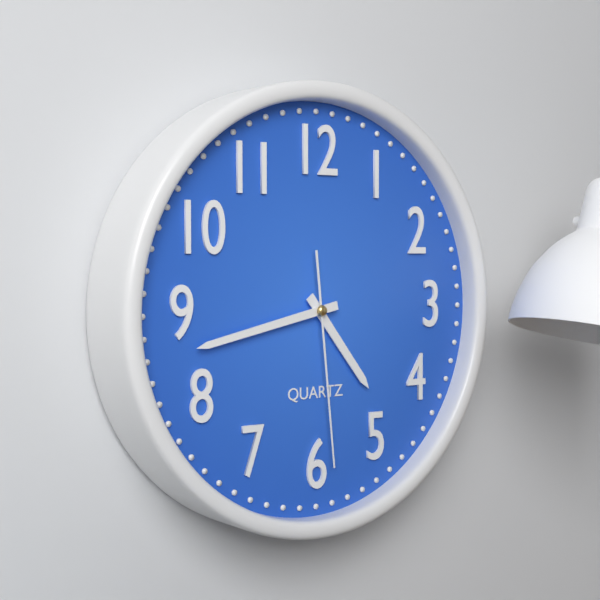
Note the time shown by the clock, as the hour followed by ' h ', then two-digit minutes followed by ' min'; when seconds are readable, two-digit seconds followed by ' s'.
4 h 43 min 29 s
